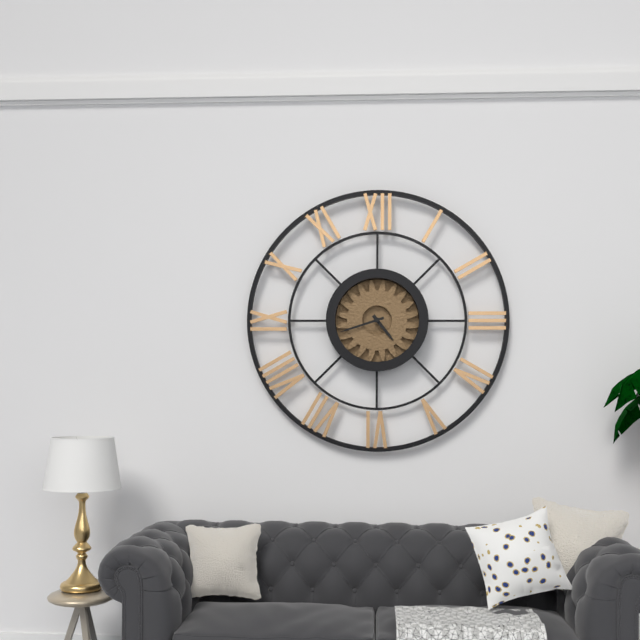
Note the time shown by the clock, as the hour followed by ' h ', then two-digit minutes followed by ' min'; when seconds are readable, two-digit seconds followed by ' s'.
4 h 42 min
